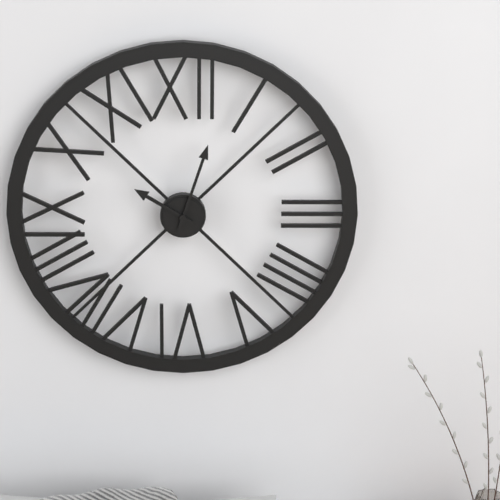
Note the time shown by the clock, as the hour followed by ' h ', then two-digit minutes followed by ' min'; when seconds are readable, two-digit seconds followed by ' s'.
10 h 03 min
